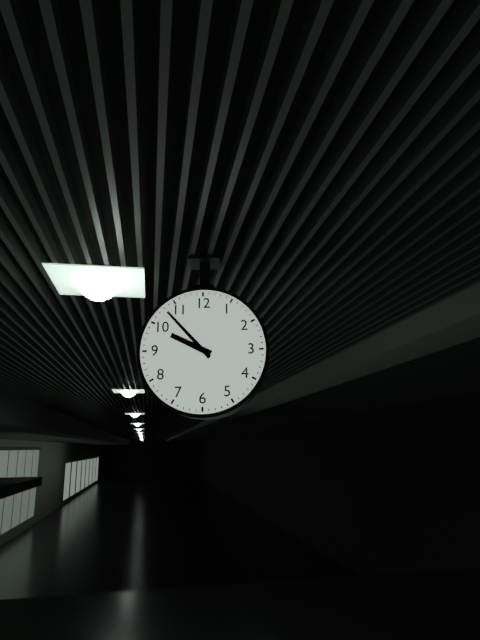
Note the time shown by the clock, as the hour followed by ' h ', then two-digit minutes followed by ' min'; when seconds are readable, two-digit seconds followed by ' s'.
9 h 53 min
